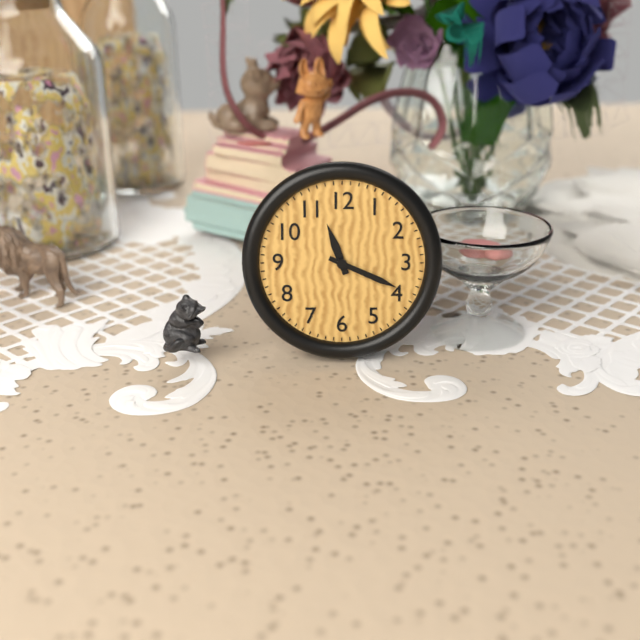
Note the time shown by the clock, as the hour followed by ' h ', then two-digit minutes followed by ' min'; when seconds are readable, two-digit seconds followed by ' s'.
11 h 19 min
